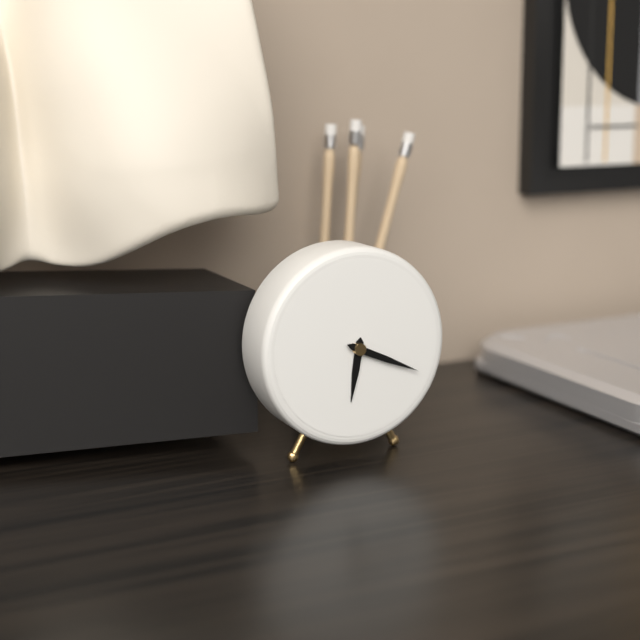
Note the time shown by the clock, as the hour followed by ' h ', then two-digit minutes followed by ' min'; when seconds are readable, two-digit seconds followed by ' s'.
6 h 19 min
